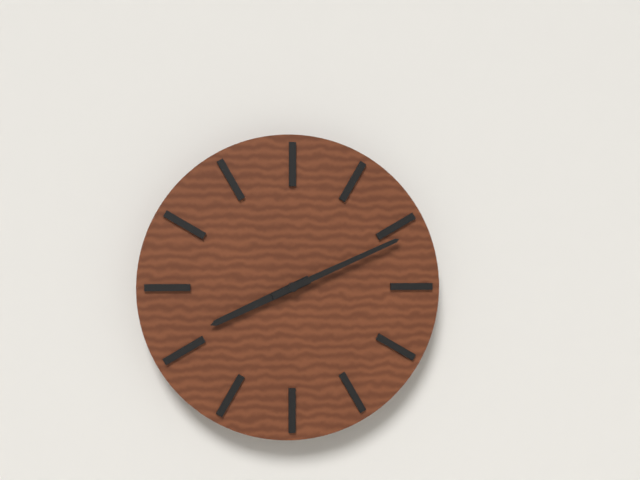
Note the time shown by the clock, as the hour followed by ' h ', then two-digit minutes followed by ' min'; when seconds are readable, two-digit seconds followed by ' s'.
8 h 11 min
